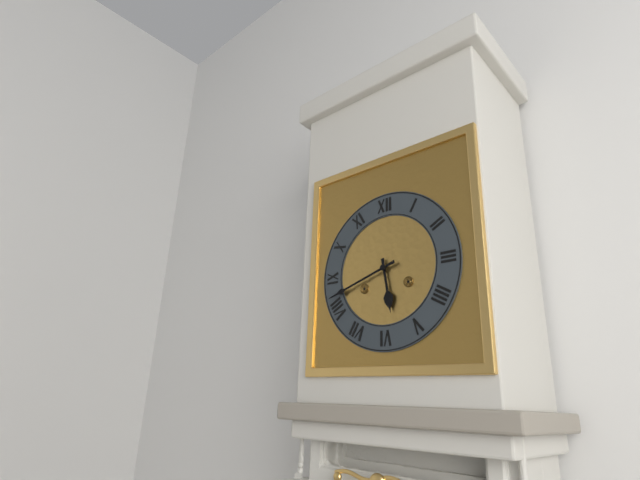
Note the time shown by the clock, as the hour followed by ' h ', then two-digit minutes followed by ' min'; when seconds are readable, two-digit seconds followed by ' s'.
5 h 42 min
